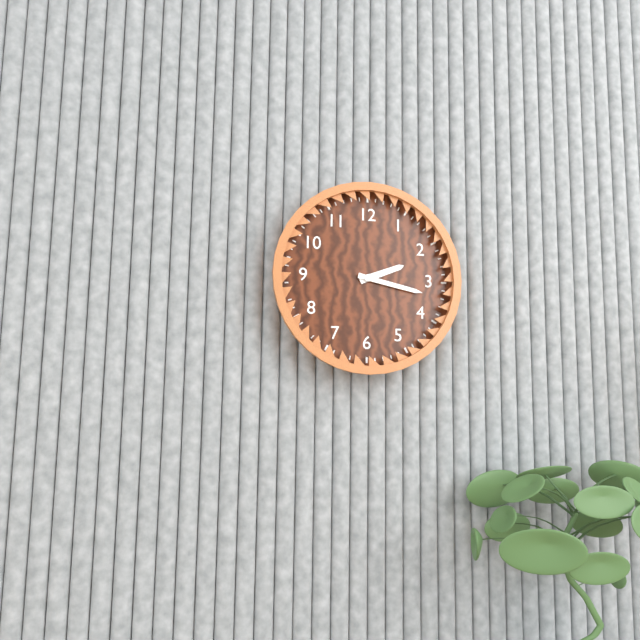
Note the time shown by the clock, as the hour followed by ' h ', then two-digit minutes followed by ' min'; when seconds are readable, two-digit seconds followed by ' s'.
2 h 17 min
